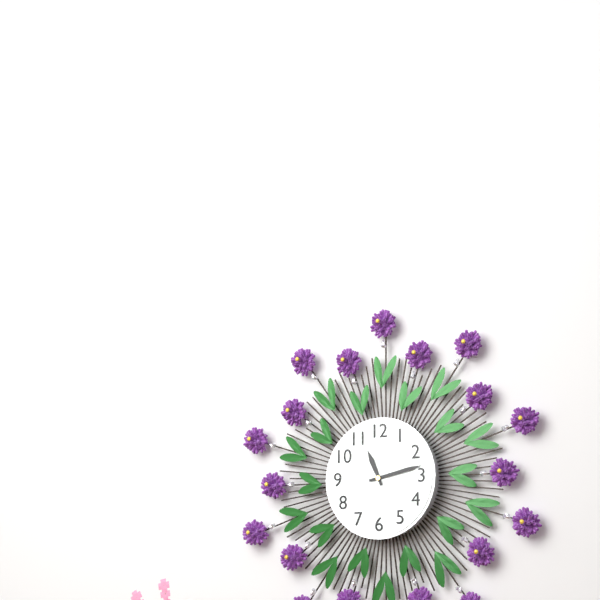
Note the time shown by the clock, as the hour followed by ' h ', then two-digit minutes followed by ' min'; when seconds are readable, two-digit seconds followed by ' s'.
11 h 13 min
